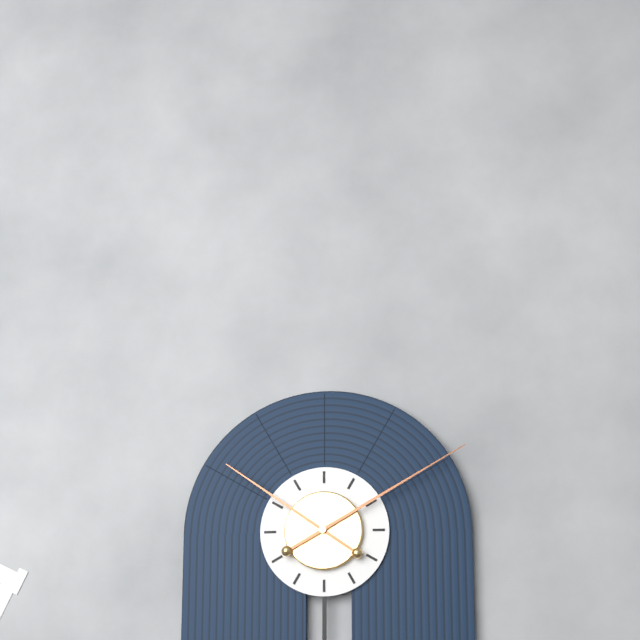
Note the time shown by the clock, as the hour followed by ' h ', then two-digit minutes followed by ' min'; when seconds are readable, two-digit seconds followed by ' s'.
10 h 10 min
